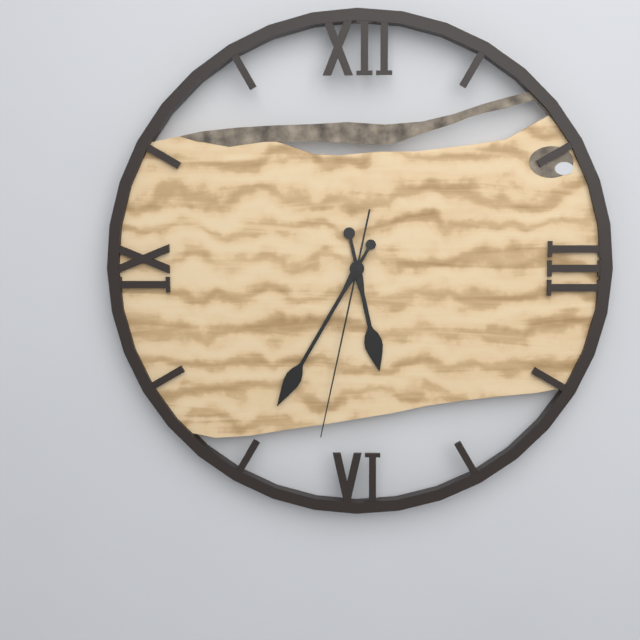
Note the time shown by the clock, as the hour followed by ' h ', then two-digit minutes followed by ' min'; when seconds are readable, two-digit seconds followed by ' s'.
5 h 35 min 32 s
